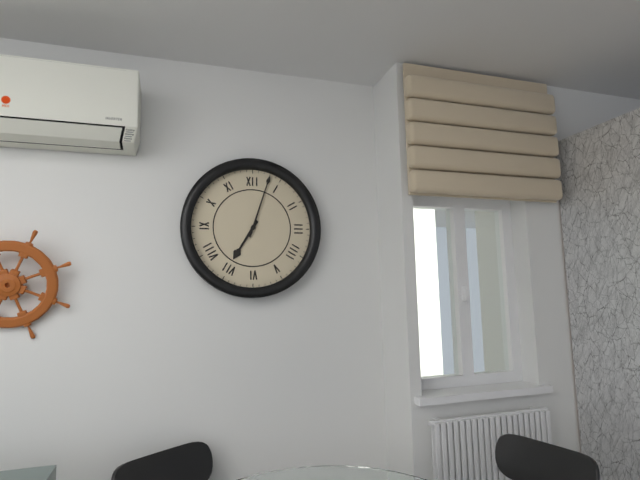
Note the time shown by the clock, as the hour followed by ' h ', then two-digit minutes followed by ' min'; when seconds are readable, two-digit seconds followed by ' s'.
7 h 03 min
